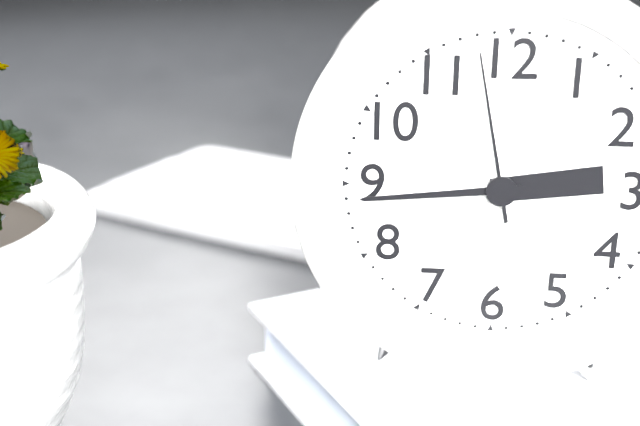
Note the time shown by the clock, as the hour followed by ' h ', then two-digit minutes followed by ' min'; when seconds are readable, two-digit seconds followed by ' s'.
2 h 44 min 58 s
